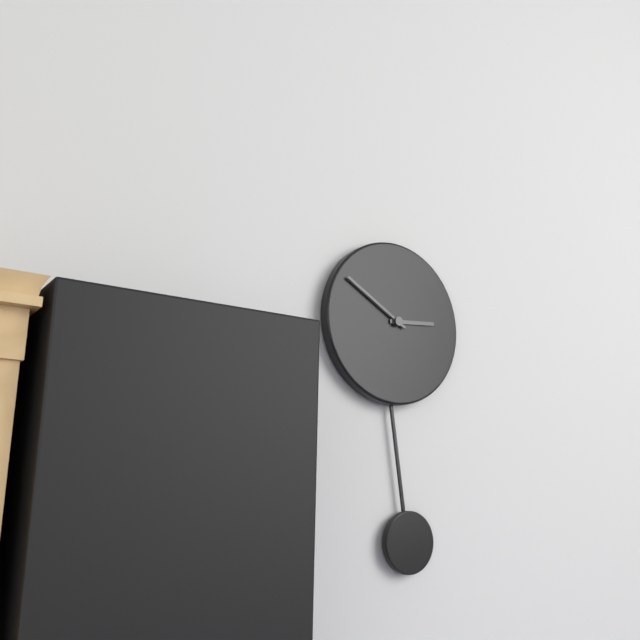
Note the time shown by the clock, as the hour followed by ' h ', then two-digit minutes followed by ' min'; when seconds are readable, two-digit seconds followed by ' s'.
2 h 50 min
